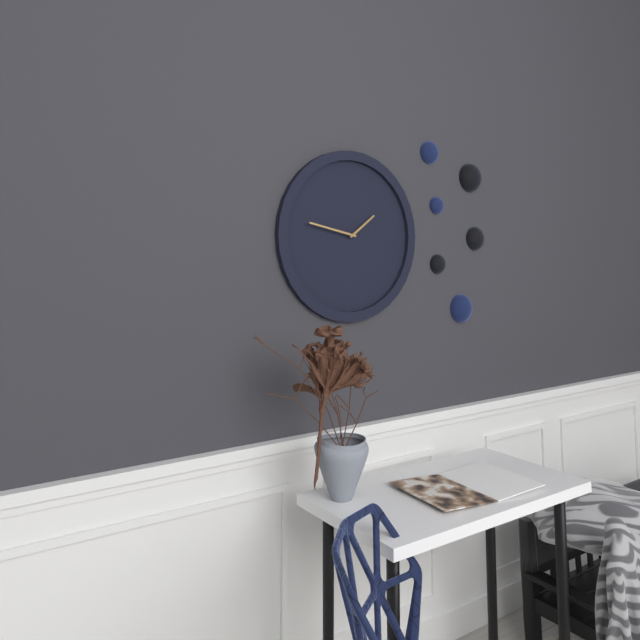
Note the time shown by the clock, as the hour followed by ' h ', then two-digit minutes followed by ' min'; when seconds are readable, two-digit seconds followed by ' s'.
1 h 47 min
